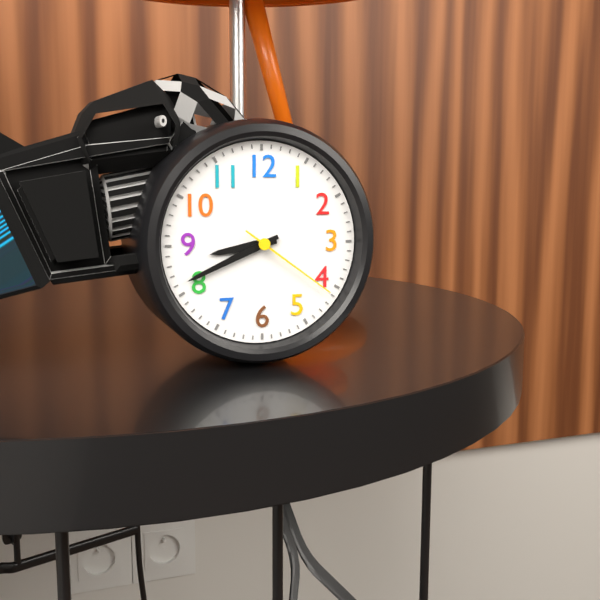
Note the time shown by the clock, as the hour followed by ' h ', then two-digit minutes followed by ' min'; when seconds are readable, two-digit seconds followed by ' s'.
8 h 41 min 21 s
